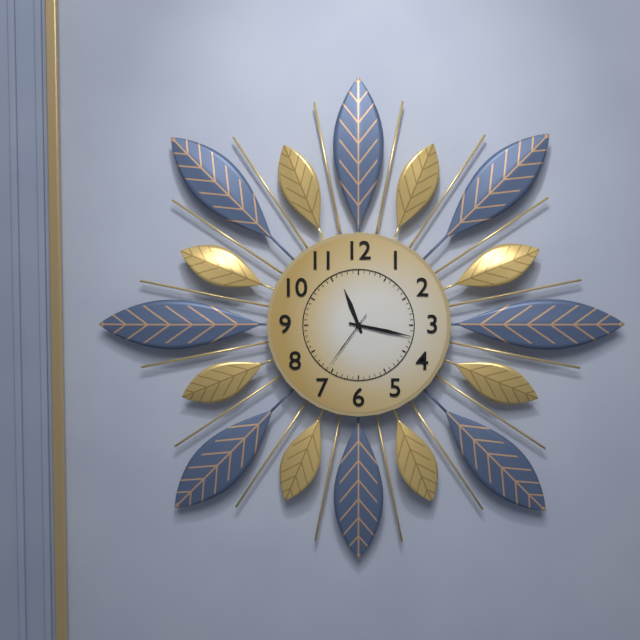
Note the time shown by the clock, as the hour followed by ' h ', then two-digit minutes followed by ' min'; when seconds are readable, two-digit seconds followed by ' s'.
11 h 17 min 36 s
